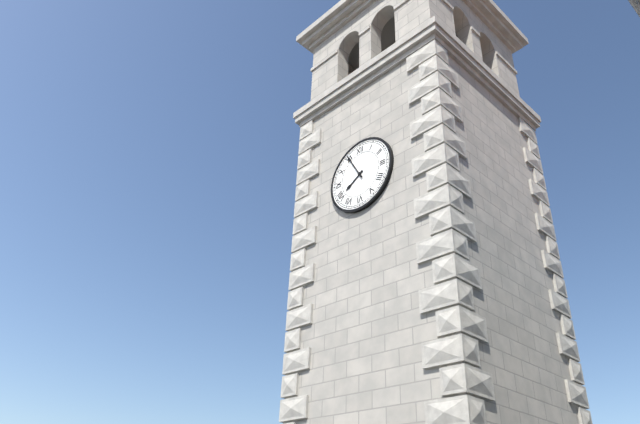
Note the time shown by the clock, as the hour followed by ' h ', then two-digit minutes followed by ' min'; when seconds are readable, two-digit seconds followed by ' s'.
7 h 55 min
